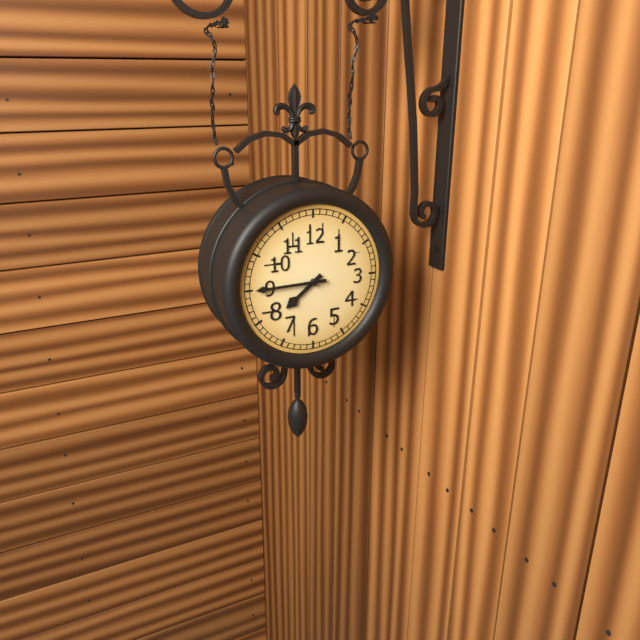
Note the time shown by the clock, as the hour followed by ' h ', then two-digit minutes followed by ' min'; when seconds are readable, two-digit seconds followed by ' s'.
7 h 45 min
